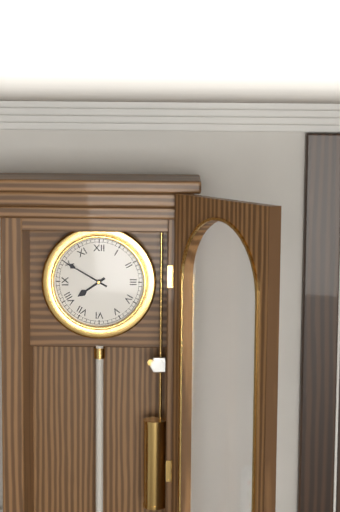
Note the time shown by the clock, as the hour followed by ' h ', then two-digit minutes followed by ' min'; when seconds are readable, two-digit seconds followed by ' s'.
7 h 50 min
